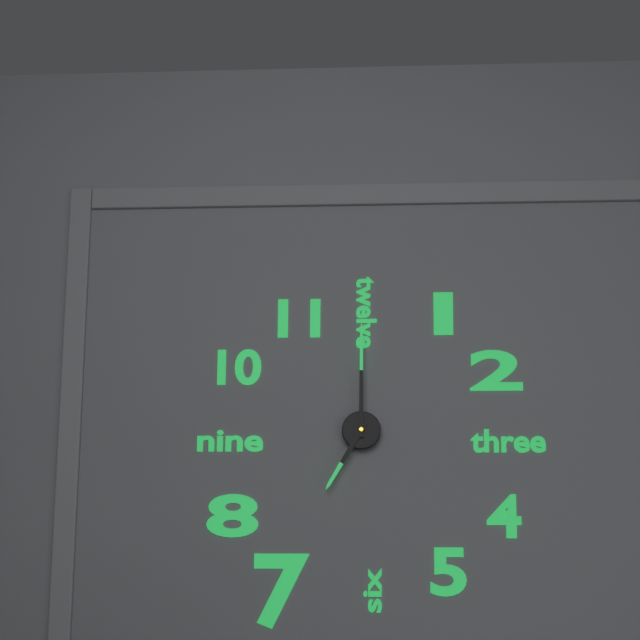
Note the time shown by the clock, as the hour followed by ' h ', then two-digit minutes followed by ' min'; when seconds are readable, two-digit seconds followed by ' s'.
7 h 00 min
